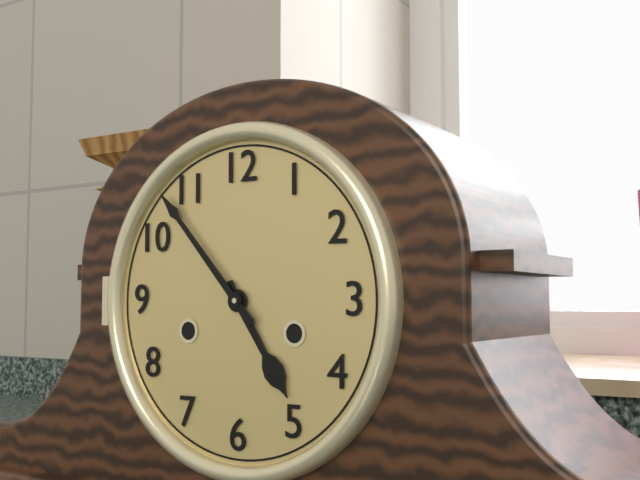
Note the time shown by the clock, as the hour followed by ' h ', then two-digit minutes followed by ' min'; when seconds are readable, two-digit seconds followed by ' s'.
4 h 53 min
